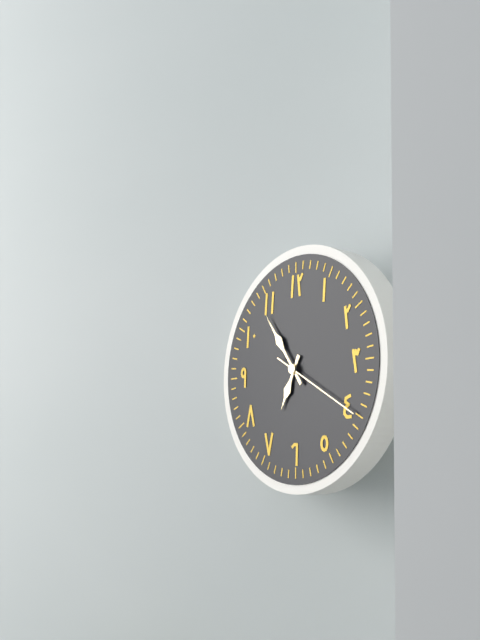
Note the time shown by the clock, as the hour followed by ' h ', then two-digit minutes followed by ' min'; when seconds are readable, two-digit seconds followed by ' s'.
6 h 54 min 20 s
